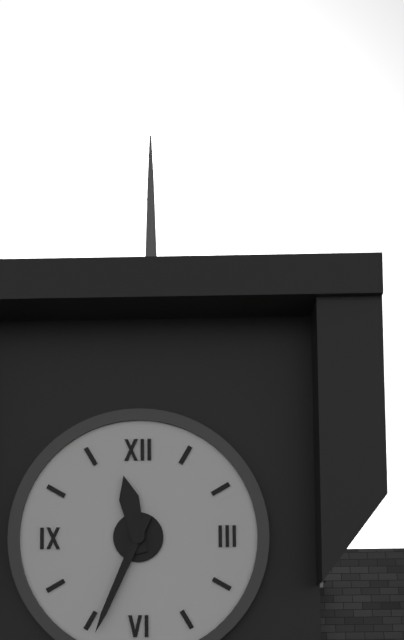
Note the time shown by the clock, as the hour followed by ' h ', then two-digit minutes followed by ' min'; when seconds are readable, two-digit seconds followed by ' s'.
11 h 34 min
